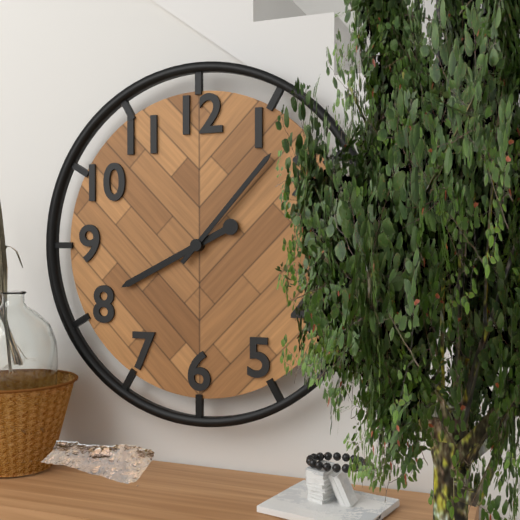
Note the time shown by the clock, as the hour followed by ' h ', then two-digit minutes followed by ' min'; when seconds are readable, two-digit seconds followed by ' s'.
8 h 07 min
